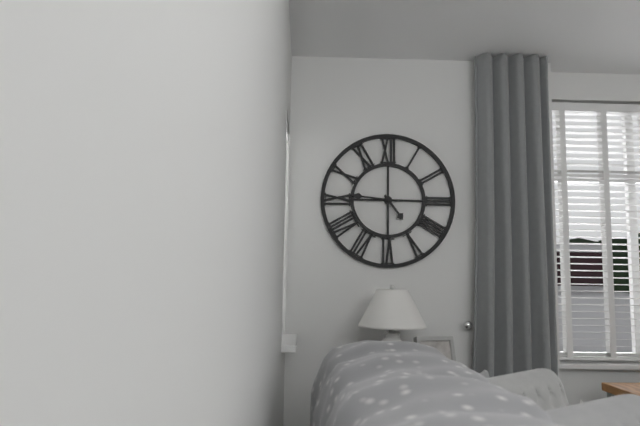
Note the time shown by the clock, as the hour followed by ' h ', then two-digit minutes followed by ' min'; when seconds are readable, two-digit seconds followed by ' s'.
4 h 46 min
